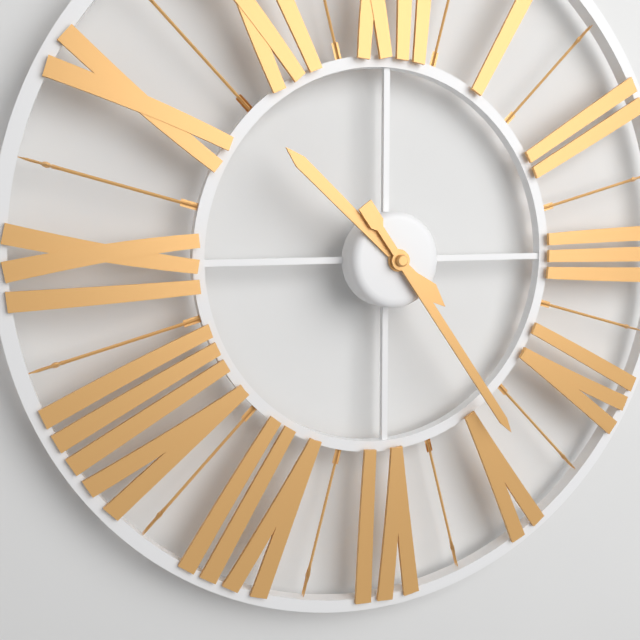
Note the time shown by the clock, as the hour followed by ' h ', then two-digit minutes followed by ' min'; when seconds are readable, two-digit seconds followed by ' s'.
10 h 24 min
